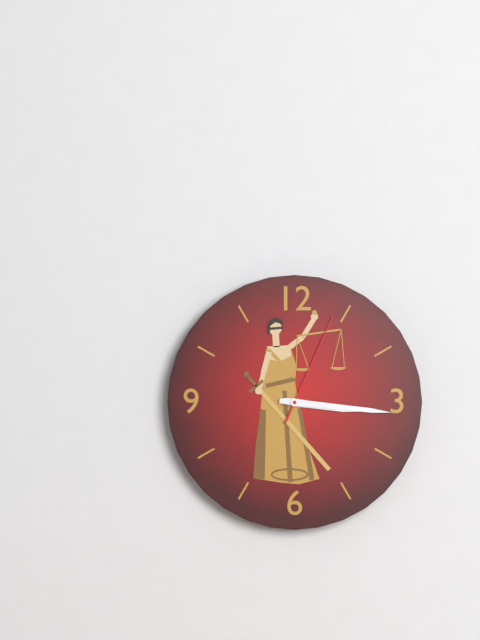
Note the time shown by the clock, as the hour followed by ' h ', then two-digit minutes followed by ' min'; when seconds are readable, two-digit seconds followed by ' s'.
3 h 16 min 04 s
